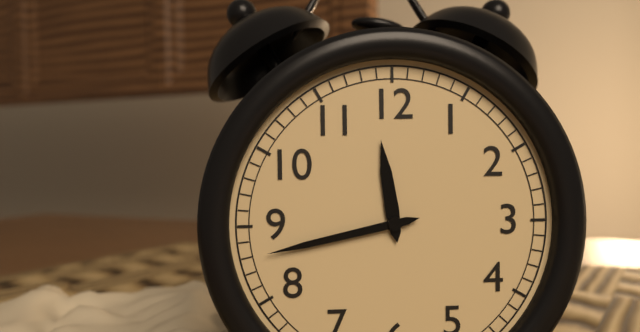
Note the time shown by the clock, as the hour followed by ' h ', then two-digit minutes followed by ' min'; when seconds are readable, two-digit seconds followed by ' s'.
11 h 43 min
